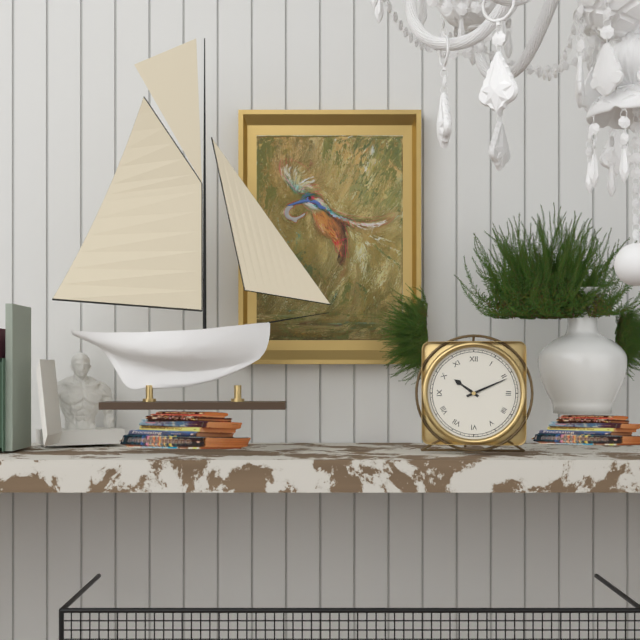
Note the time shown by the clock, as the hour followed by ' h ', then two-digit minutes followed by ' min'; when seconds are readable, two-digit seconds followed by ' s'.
10 h 11 min
